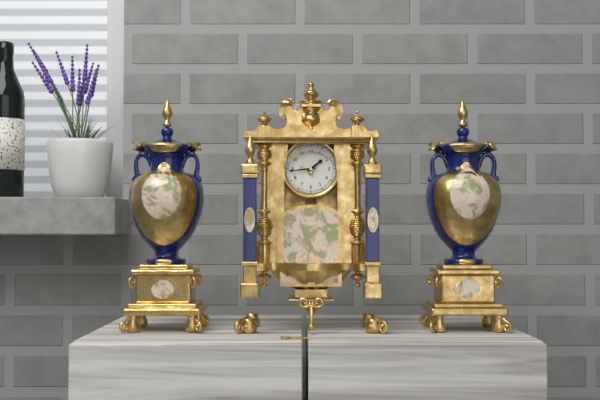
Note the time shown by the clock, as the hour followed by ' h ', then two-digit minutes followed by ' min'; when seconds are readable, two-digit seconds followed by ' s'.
1 h 44 min
